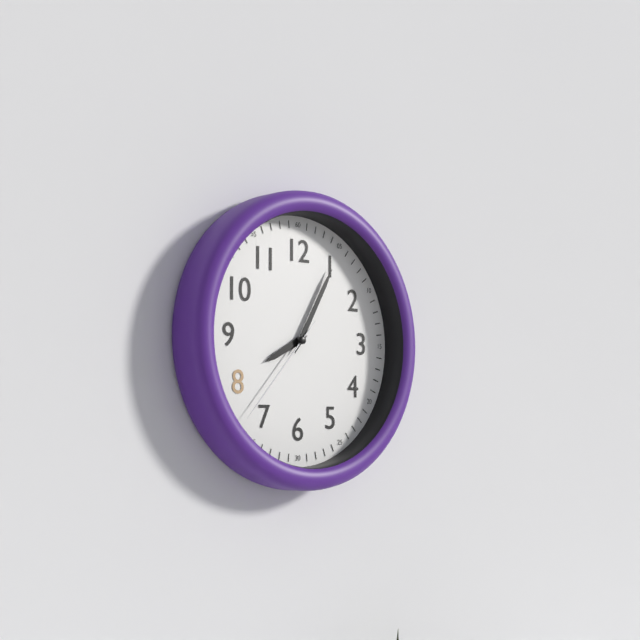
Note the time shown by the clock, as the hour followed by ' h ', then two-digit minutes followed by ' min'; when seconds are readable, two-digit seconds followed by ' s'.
8 h 05 min 37 s
